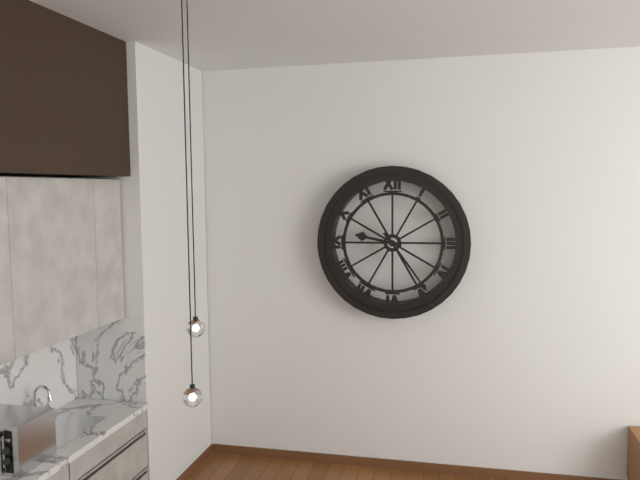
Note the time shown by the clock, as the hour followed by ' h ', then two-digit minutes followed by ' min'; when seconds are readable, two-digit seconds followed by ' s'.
9 h 24 min
